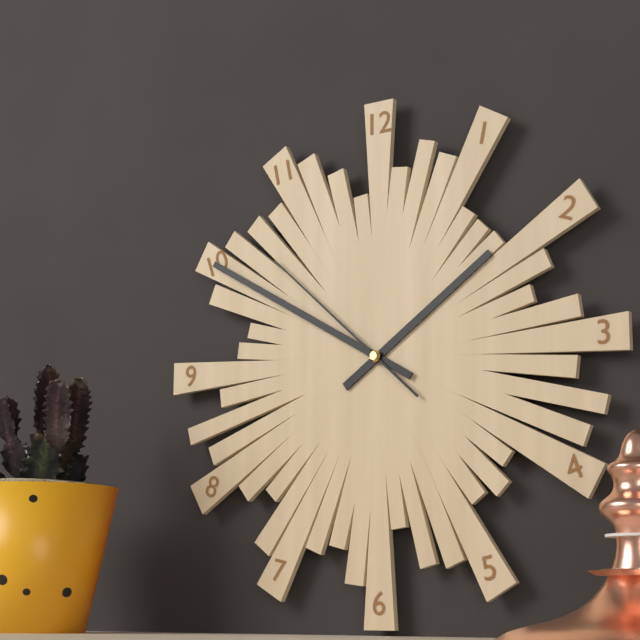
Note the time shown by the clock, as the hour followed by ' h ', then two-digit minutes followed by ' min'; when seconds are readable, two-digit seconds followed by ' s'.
1 h 50 min 52 s
